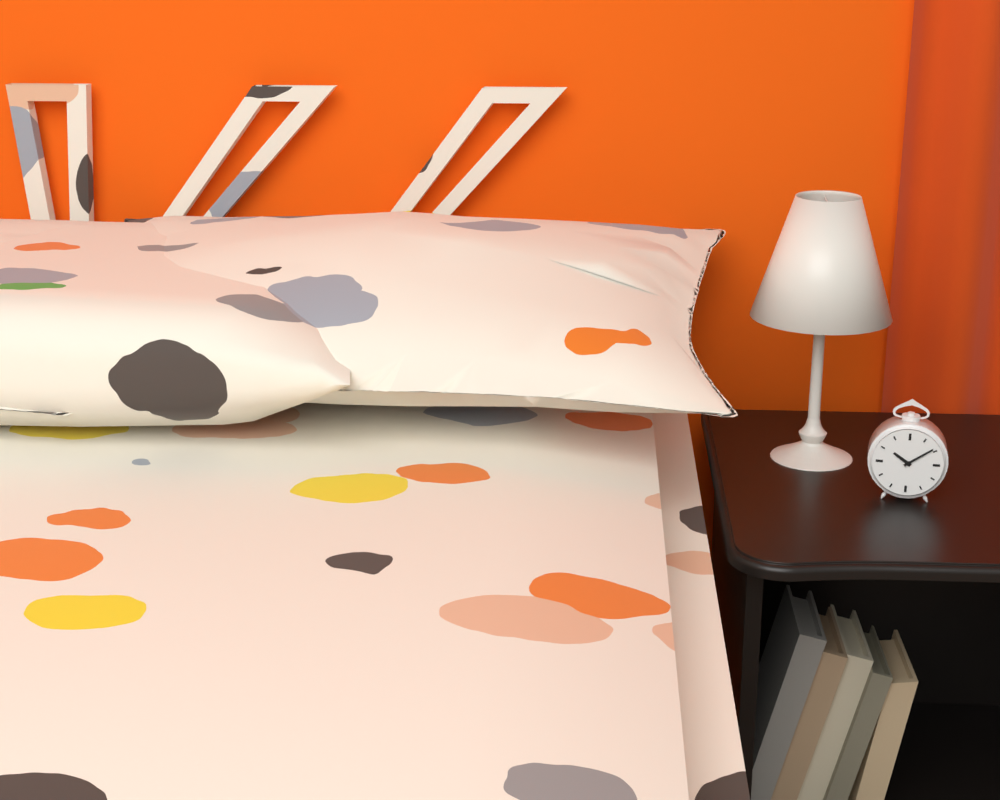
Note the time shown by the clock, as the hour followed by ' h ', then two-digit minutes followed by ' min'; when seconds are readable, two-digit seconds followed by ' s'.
10 h 09 min
